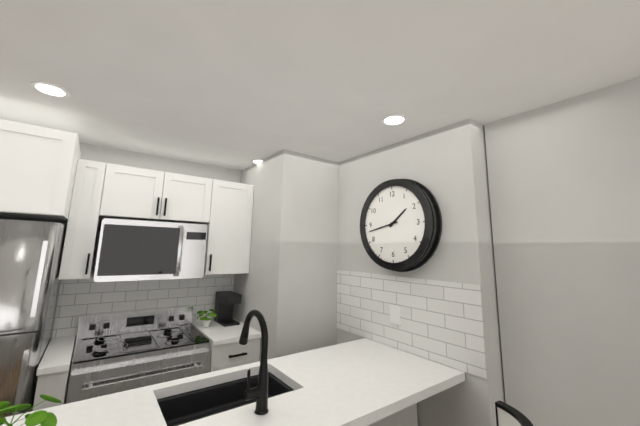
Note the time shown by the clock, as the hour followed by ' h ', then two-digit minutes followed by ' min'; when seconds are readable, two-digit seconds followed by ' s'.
1 h 43 min
